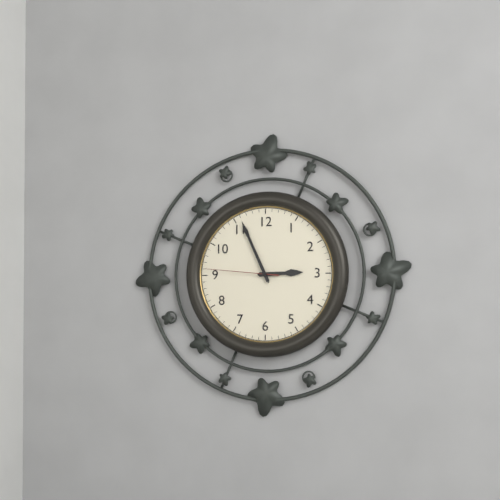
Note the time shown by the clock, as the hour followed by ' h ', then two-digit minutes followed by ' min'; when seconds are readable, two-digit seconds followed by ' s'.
2 h 56 min 46 s
